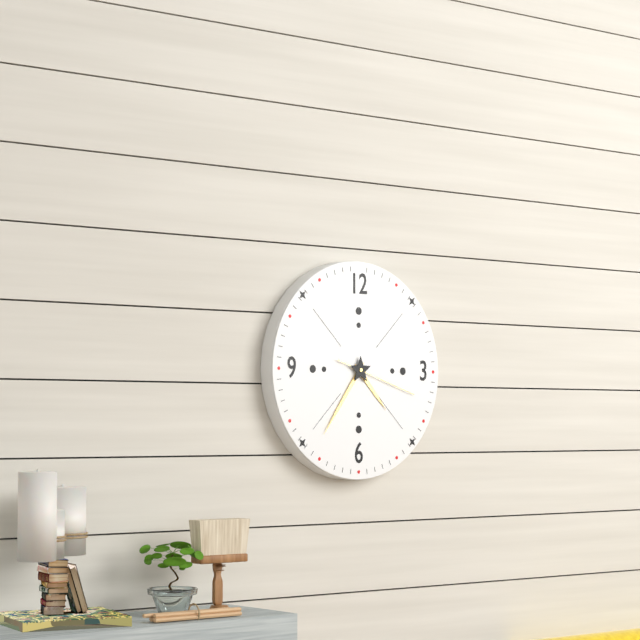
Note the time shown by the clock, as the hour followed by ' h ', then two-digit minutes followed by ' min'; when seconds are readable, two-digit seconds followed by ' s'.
4 h 36 min 18 s
